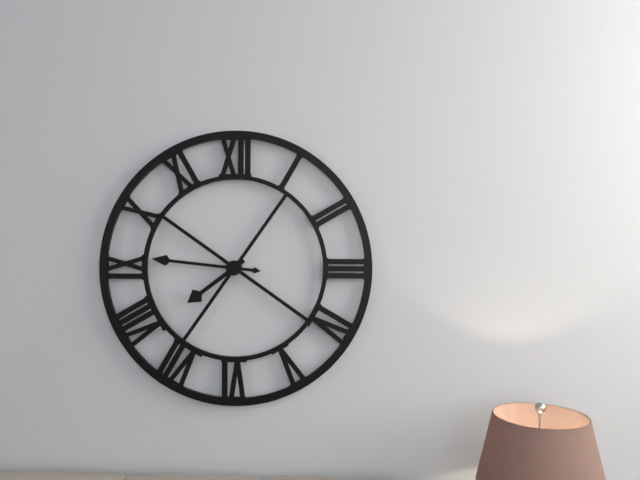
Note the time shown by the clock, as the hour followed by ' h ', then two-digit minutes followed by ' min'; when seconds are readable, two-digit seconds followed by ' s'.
7 h 46 min
